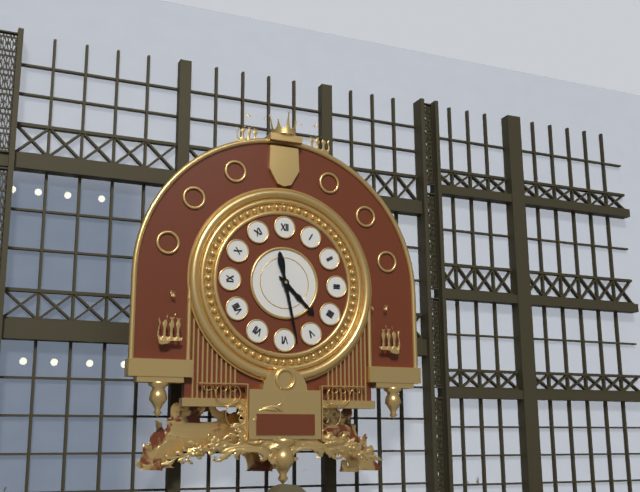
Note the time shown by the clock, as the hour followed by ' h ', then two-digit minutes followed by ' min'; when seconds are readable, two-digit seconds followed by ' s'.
4 h 28 min
